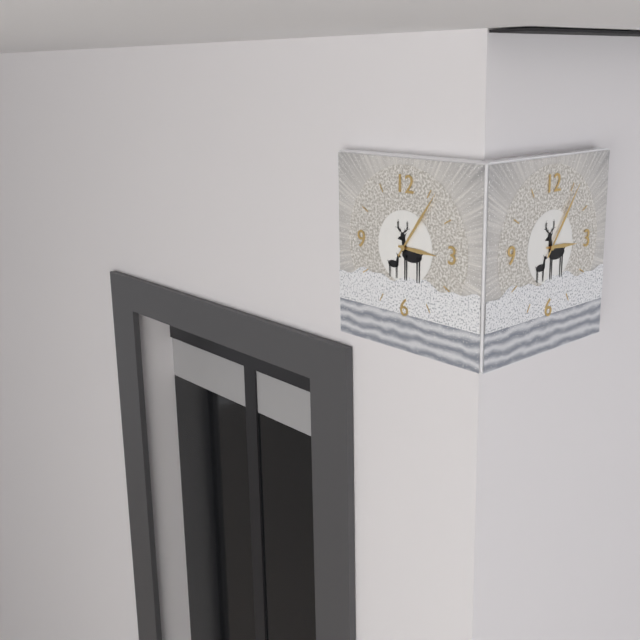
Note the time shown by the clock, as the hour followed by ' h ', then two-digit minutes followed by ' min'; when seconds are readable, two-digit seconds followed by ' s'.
3 h 06 min
